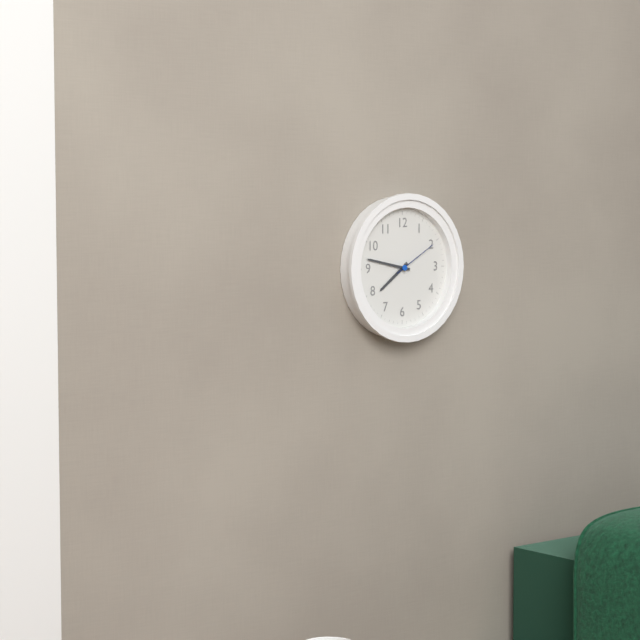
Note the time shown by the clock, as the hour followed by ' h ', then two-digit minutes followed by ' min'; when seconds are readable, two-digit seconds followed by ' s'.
7 h 47 min
